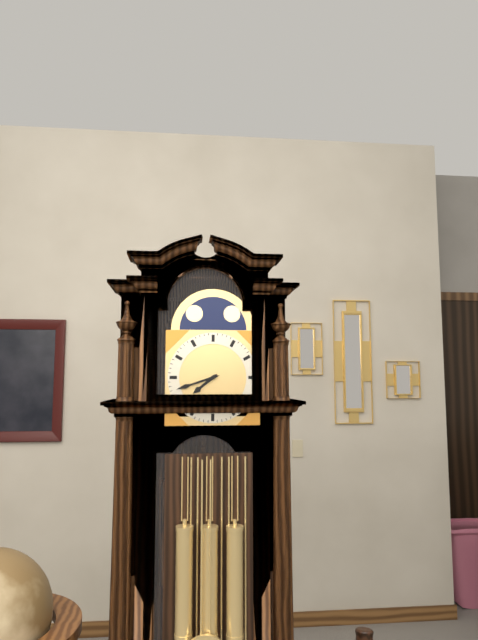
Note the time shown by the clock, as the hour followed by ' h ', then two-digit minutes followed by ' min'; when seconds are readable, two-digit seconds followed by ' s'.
7 h 42 min
